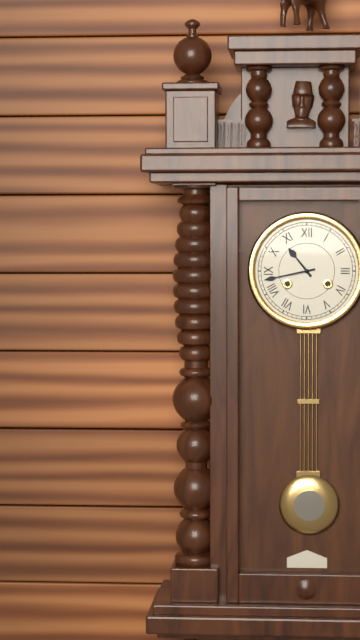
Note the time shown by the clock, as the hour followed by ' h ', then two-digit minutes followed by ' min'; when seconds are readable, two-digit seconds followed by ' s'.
10 h 43 min
